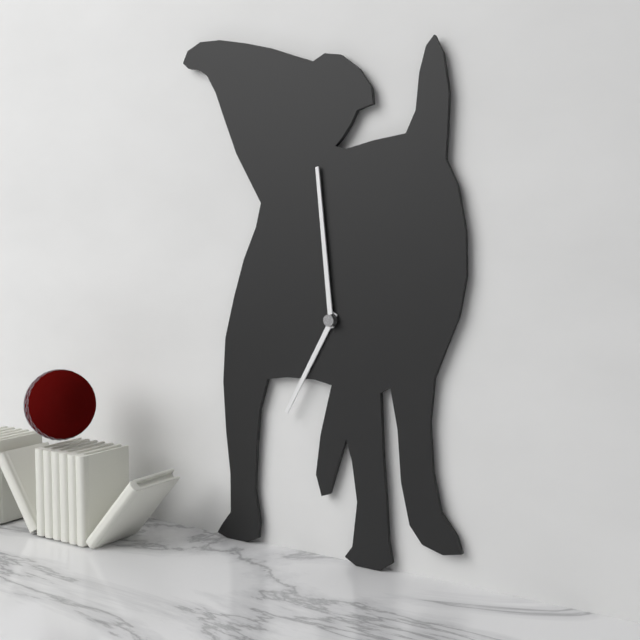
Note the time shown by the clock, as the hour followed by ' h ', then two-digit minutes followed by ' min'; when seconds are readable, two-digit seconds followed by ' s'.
6 h 59 min
